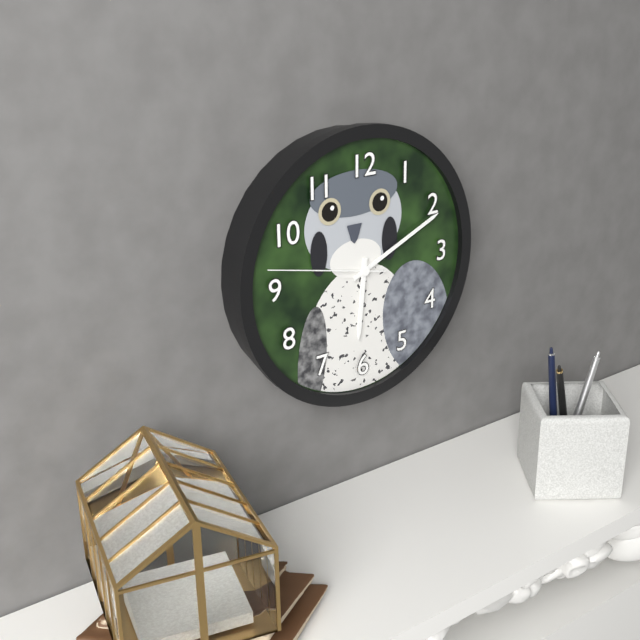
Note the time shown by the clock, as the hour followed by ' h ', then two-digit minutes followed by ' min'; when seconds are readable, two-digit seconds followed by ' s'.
6 h 11 min 47 s
